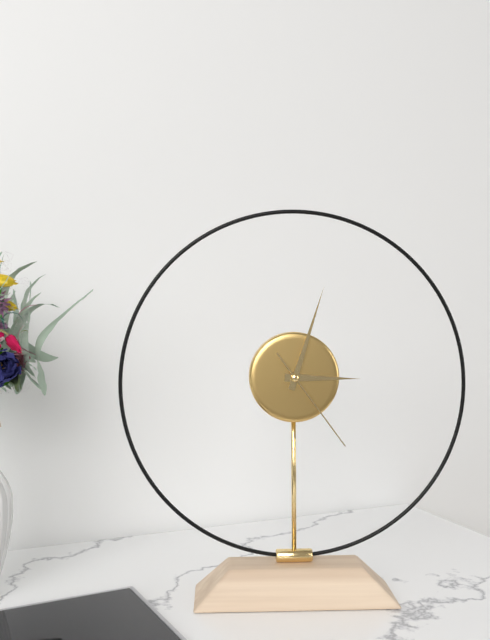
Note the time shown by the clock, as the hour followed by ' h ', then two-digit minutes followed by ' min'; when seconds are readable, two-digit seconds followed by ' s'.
3 h 03 min 24 s
